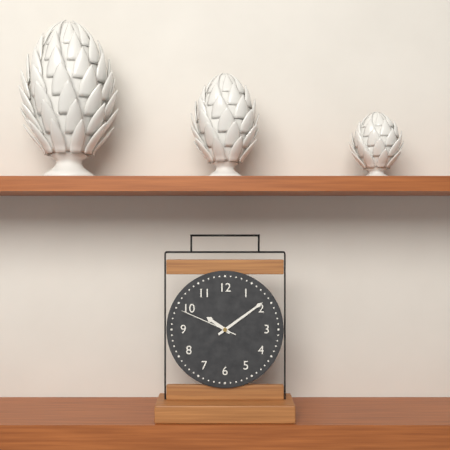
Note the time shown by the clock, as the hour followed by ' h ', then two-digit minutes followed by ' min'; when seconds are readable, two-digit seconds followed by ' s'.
10 h 09 min 49 s
